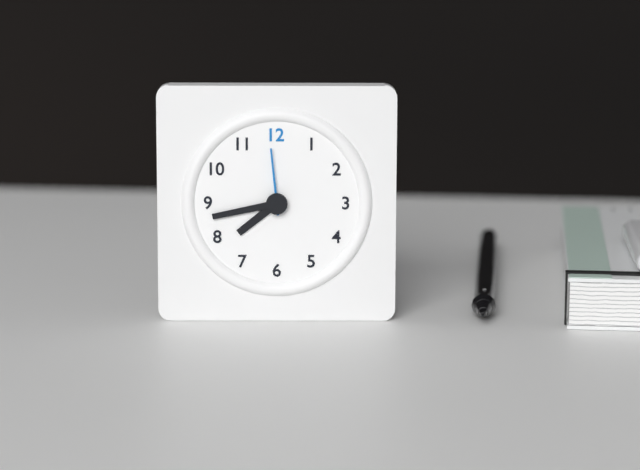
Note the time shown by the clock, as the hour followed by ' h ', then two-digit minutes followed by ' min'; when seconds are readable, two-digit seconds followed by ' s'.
7 h 43 min 59 s
